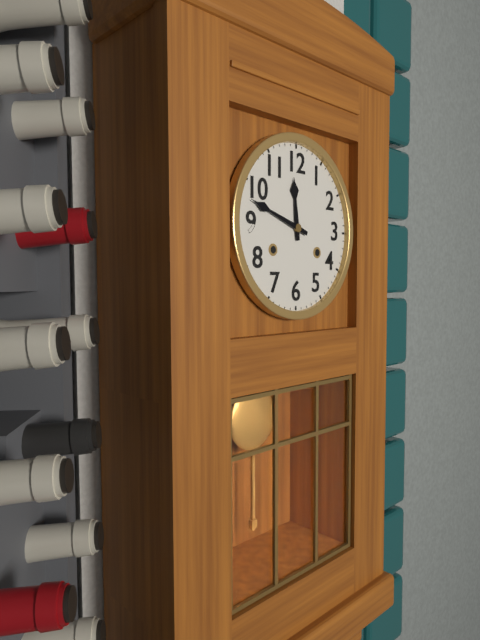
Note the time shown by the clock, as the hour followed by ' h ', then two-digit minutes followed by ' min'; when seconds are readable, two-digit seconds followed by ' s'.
11 h 48 min
